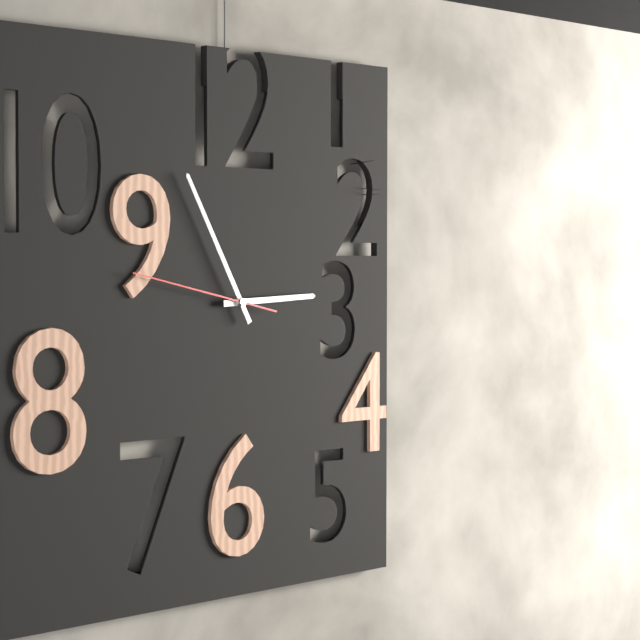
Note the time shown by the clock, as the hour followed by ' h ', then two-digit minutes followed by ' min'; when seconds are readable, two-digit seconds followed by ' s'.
2 h 55 min 47 s
